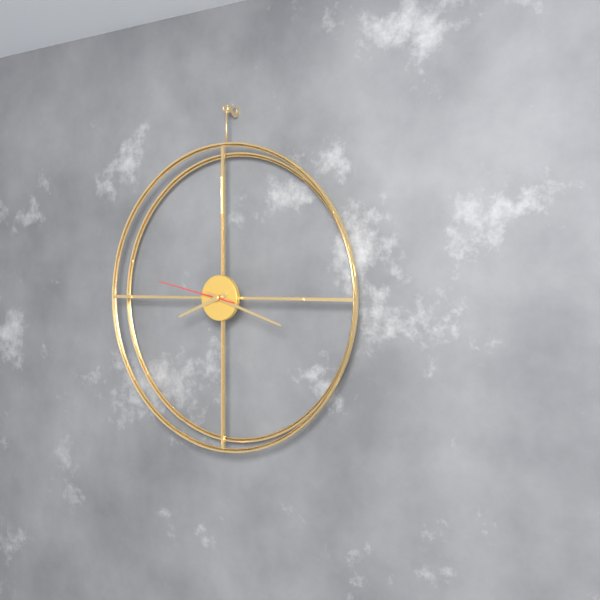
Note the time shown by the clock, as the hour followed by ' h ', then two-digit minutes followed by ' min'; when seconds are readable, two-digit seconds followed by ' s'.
8 h 18 min 47 s
